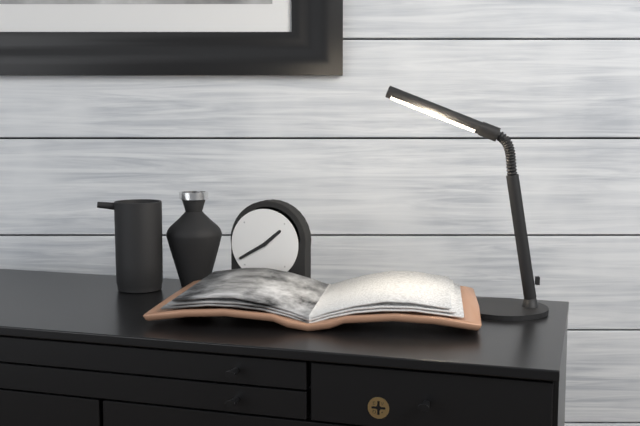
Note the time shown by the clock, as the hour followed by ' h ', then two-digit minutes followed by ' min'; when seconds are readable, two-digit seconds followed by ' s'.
1 h 40 min
